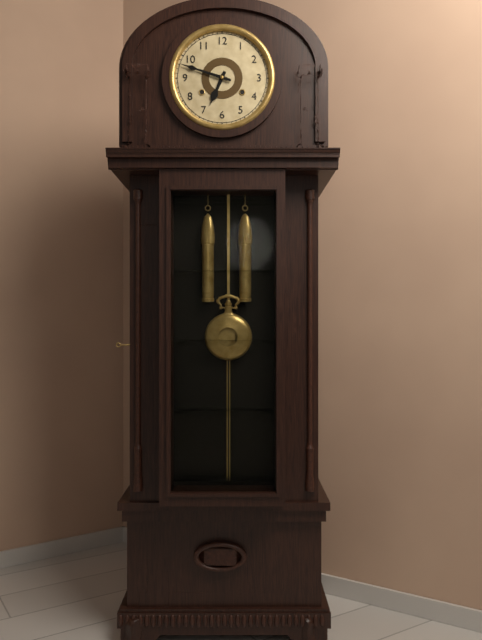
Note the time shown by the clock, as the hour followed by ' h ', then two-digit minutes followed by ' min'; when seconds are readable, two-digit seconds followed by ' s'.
6 h 48 min
